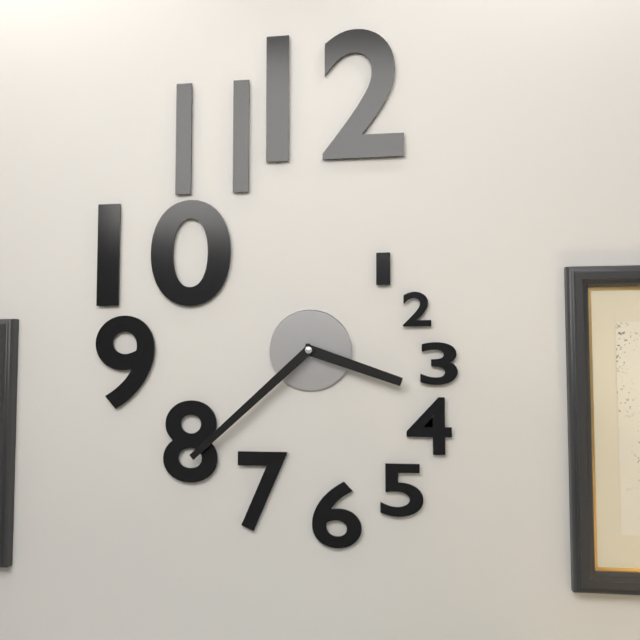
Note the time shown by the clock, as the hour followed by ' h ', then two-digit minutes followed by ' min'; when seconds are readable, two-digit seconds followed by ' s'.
3 h 38 min
